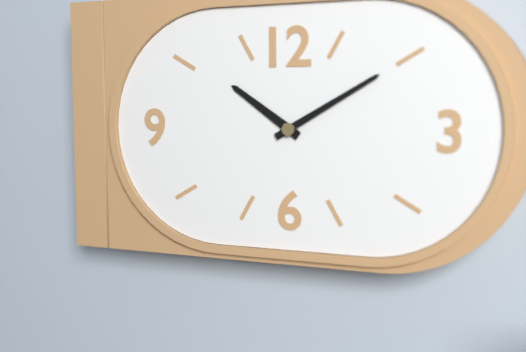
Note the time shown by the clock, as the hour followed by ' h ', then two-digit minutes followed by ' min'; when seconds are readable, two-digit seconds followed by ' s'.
10 h 10 min
